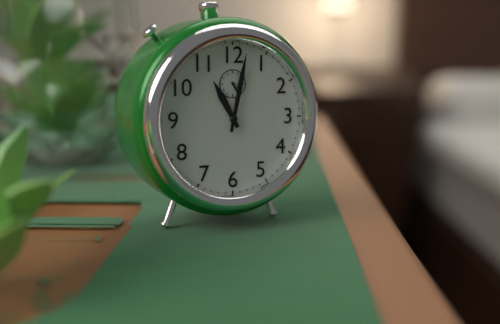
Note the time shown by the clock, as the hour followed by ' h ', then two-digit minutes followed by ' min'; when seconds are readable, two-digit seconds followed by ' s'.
11 h 02 min
